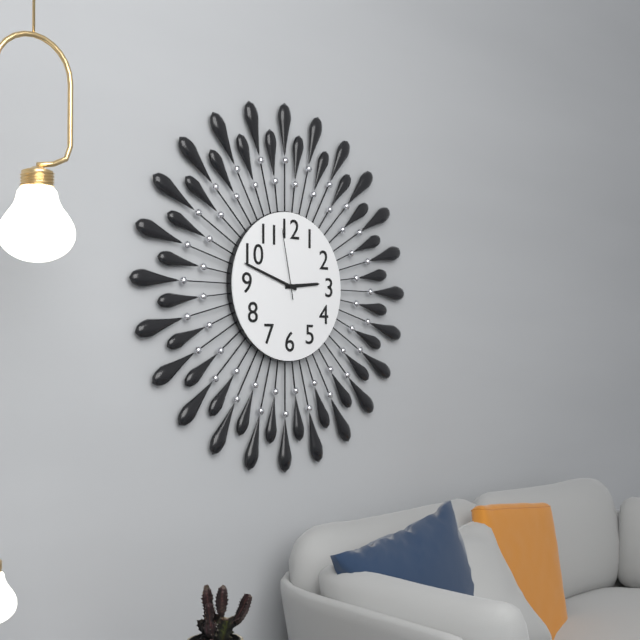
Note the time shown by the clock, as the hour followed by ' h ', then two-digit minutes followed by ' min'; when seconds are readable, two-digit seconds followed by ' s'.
2 h 48 min 58 s
